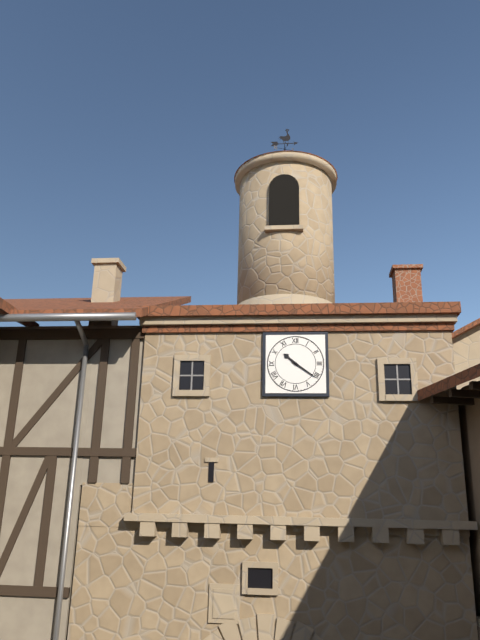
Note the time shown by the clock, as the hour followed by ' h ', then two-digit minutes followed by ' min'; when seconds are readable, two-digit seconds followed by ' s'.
10 h 21 min
